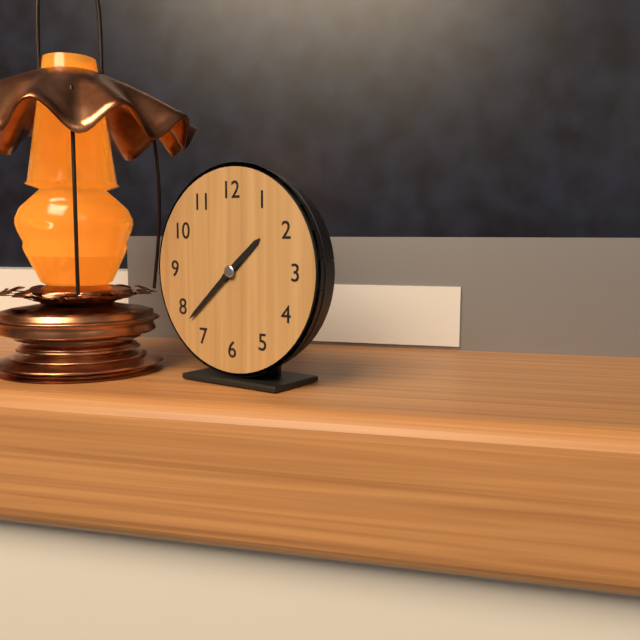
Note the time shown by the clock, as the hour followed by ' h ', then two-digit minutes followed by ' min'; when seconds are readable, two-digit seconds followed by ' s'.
1 h 38 min
